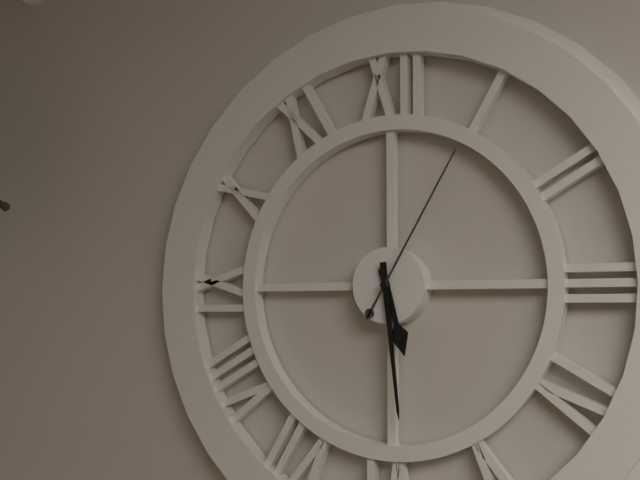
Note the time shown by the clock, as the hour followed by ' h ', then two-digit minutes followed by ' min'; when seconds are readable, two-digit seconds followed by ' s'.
5 h 29 min 05 s
